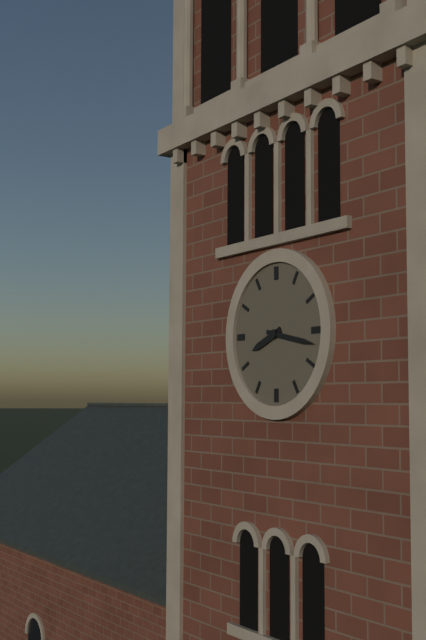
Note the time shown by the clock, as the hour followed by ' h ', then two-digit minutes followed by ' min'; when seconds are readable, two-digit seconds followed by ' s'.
8 h 17 min
